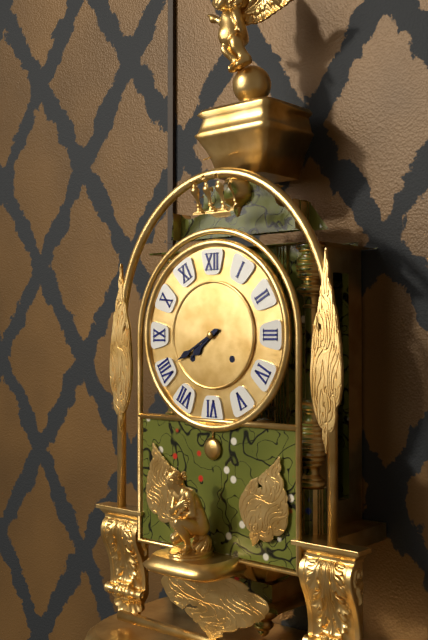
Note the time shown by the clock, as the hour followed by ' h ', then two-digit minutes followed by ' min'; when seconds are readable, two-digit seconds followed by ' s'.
7 h 40 min
